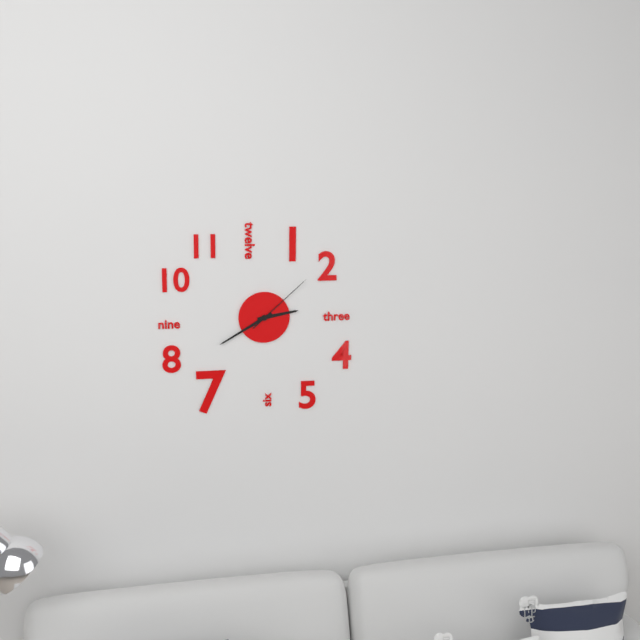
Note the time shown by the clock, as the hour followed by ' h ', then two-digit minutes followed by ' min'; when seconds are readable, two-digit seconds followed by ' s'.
2 h 40 min 08 s
